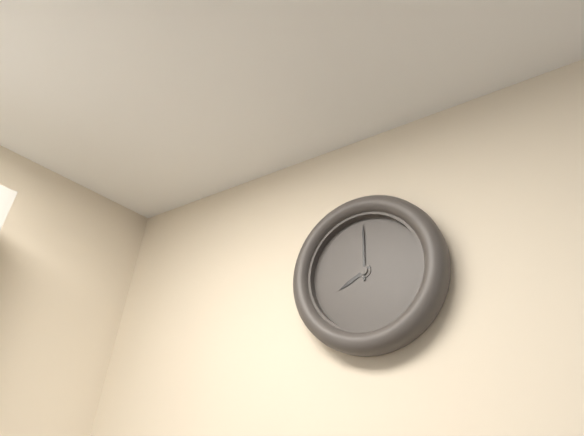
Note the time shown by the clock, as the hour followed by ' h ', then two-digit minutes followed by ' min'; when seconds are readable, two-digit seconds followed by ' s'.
8 h 00 min
